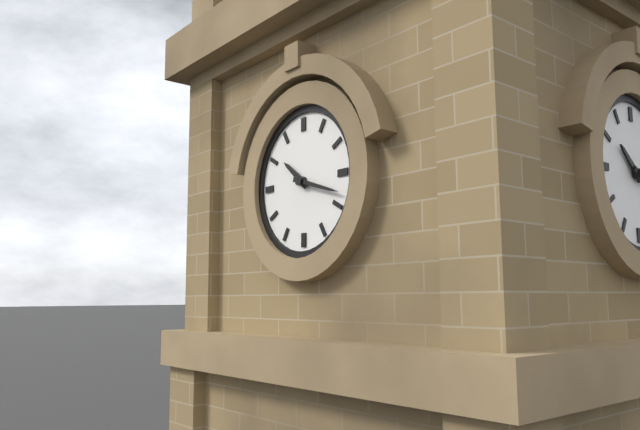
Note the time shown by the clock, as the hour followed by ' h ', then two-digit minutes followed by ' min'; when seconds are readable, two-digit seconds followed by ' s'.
10 h 18 min
